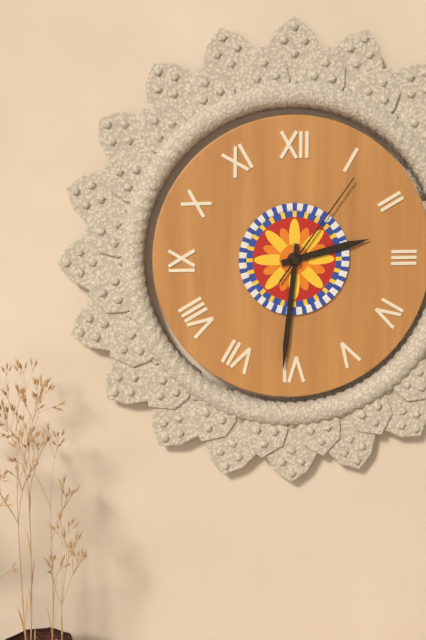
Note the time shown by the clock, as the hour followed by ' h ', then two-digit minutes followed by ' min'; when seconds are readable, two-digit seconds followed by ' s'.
2 h 31 min 06 s
